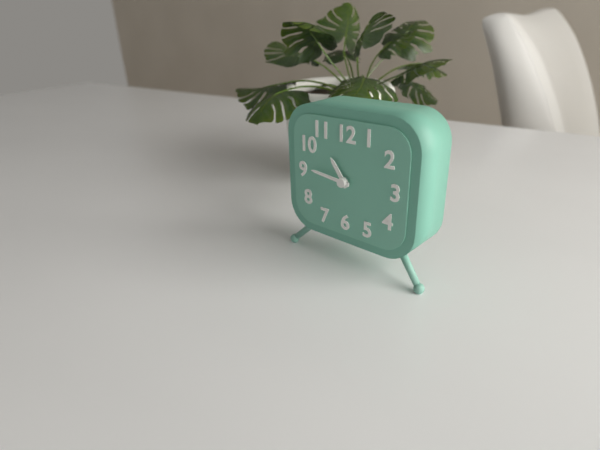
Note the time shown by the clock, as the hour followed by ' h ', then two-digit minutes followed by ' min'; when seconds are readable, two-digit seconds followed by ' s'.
10 h 46 min
